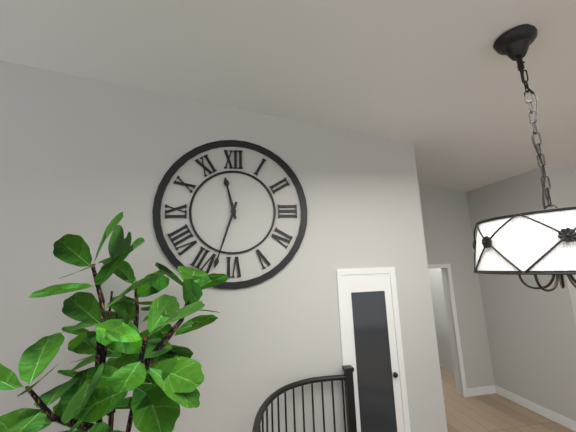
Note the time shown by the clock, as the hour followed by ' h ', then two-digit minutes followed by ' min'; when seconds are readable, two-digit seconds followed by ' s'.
11 h 33 min
